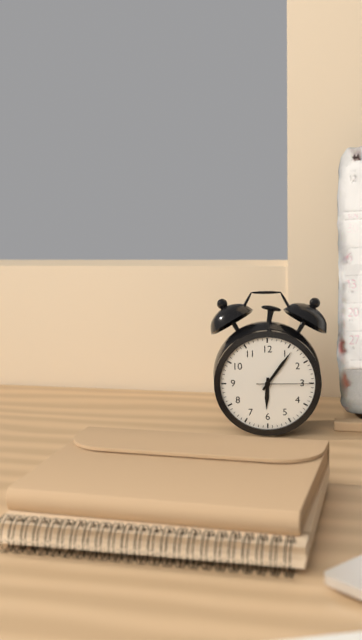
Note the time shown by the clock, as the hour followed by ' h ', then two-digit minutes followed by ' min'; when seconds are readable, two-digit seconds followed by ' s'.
6 h 06 min 15 s
